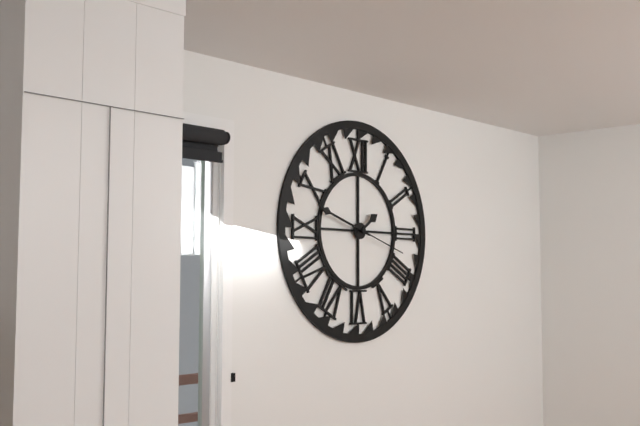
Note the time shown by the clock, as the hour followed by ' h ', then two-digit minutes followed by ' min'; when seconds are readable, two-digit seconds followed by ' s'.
1 h 48 min 18 s
